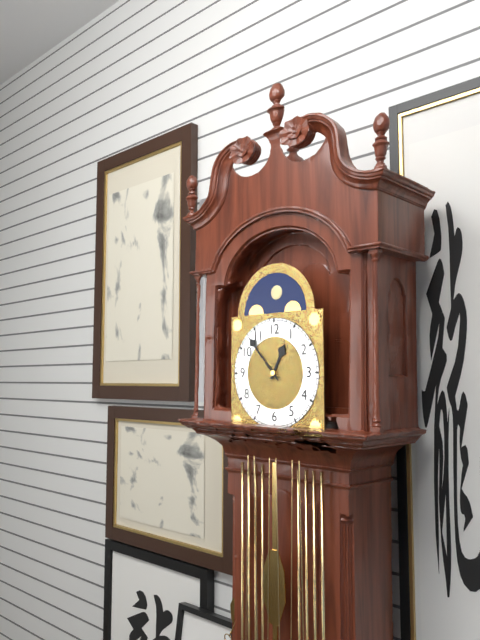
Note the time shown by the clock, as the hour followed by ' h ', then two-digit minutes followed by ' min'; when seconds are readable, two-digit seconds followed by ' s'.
12 h 53 min
